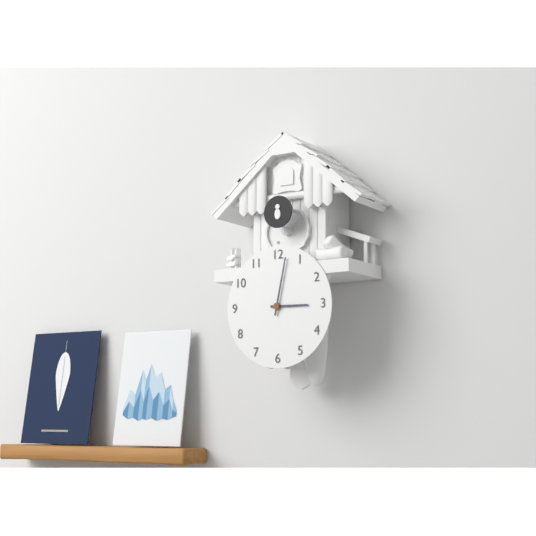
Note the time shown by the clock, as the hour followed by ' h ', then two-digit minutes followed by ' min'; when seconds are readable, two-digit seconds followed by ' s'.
3 h 02 min
